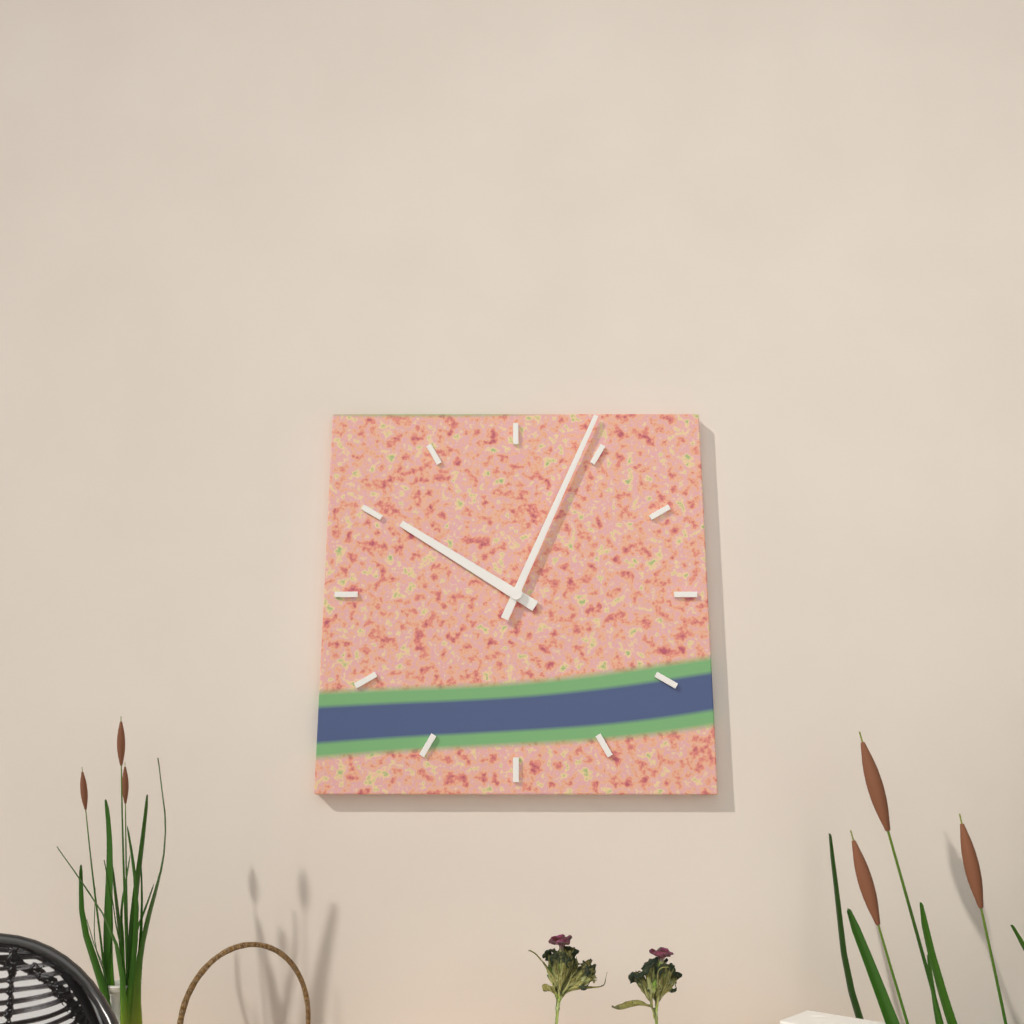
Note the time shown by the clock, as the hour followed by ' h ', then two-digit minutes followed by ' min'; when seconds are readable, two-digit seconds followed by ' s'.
10 h 04 min
